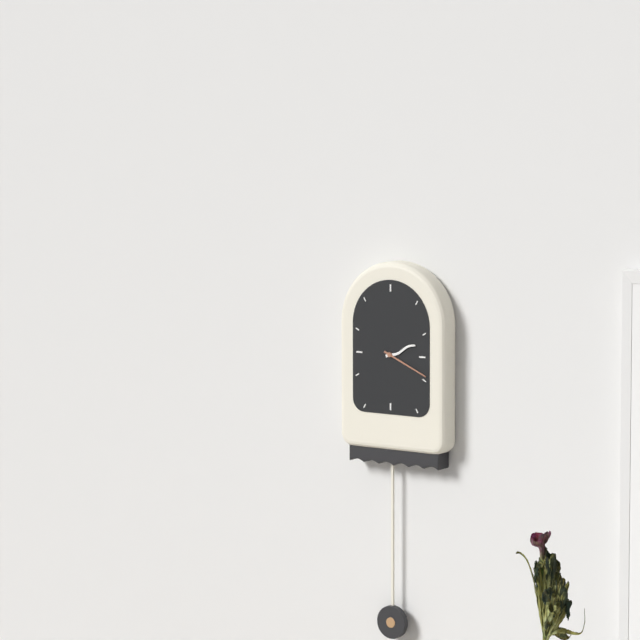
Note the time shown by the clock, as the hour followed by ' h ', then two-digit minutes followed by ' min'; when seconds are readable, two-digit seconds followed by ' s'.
2 h 19 min
